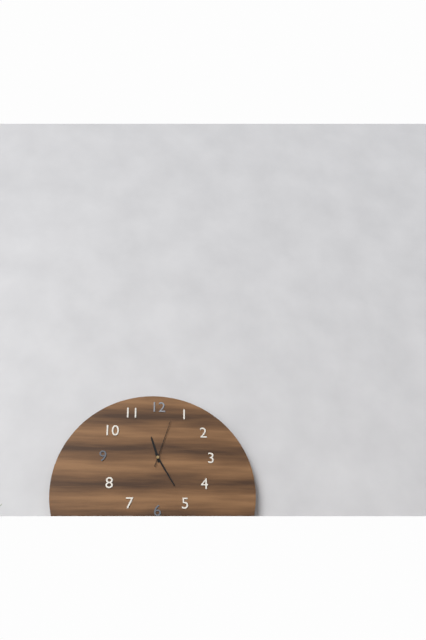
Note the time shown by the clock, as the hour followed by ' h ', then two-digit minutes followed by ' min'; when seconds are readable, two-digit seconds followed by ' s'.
11 h 25 min
